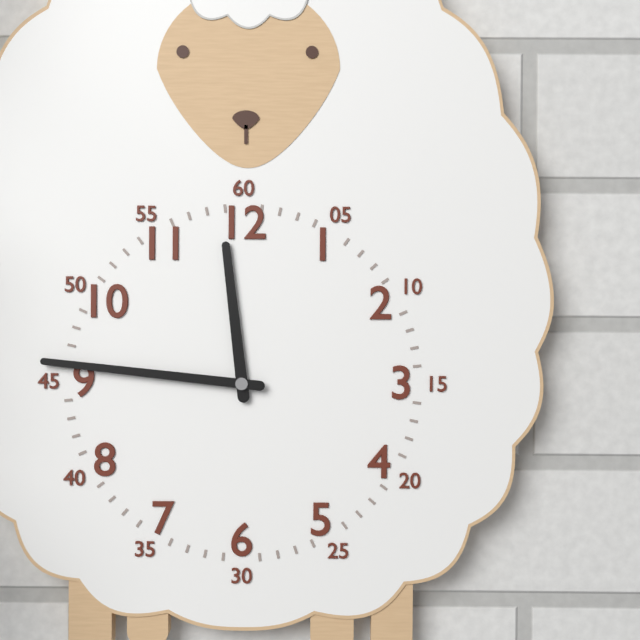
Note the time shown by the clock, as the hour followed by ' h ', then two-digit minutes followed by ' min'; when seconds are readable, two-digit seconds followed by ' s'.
11 h 46 min
